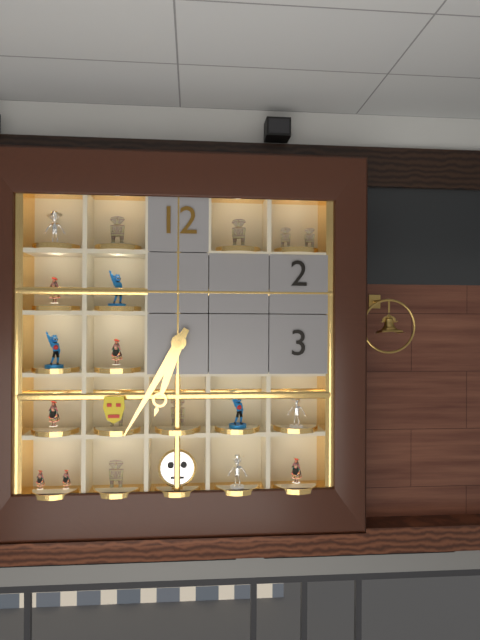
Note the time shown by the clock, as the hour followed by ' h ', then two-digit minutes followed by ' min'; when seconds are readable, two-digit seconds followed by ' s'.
6 h 35 min
